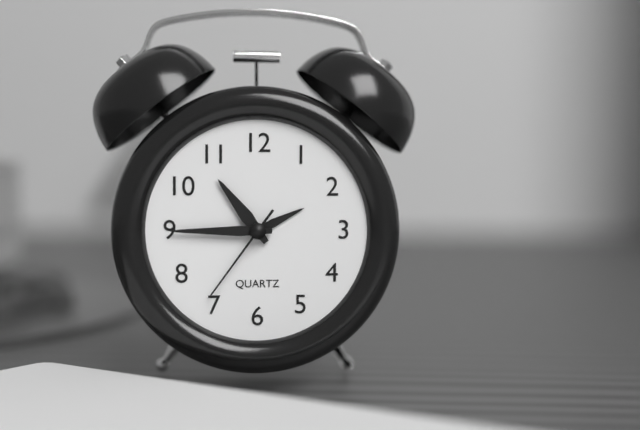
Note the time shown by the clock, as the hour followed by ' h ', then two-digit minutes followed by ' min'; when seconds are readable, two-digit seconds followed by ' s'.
10 h 45 min 36 s
